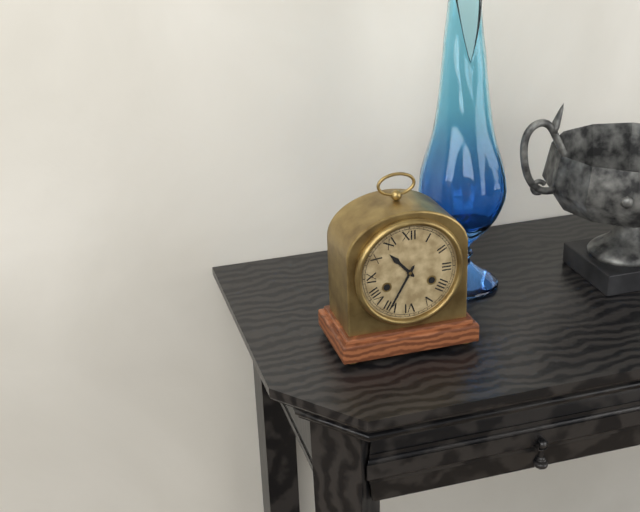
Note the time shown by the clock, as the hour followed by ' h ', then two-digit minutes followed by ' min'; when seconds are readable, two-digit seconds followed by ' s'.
10 h 35 min
